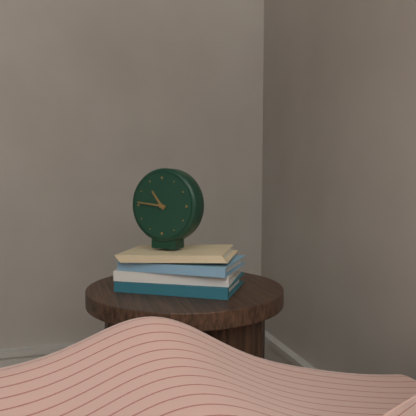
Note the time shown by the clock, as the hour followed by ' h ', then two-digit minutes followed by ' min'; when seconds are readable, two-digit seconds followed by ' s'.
10 h 46 min
